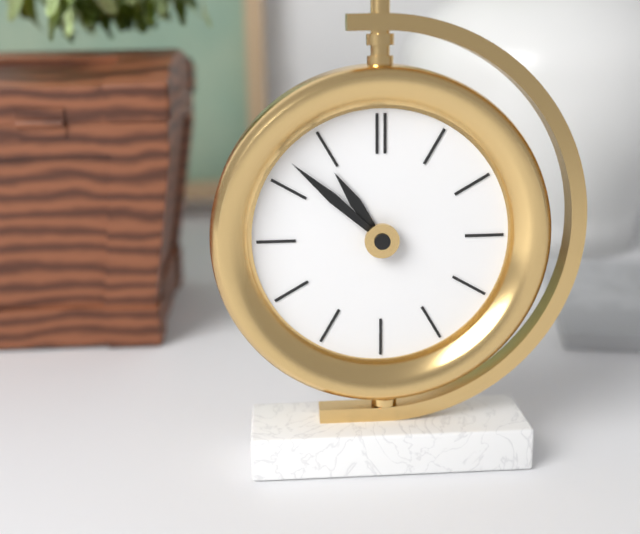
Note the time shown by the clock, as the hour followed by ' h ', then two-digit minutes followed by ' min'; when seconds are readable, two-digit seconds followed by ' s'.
10 h 52 min
